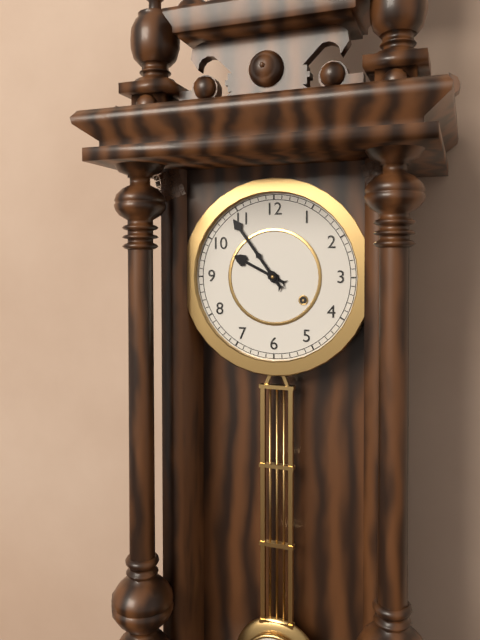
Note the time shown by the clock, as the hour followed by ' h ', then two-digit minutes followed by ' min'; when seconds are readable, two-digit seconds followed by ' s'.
9 h 54 min
